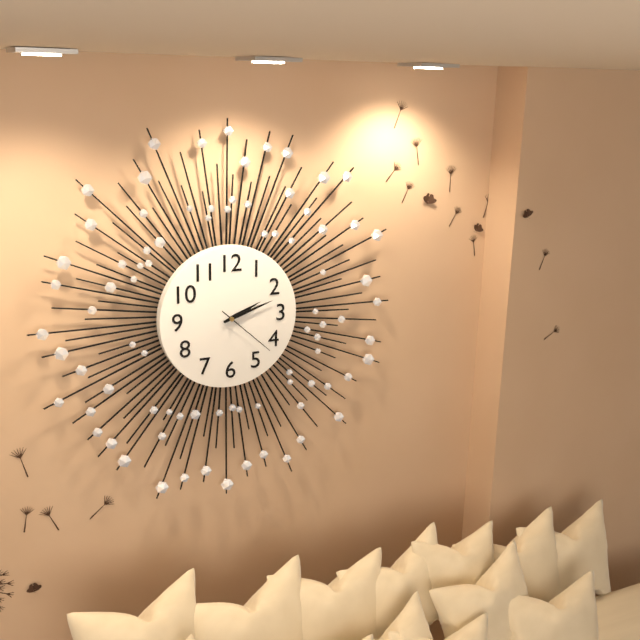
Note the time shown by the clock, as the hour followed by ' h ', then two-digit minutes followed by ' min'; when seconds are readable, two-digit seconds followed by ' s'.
2 h 12 min 22 s
